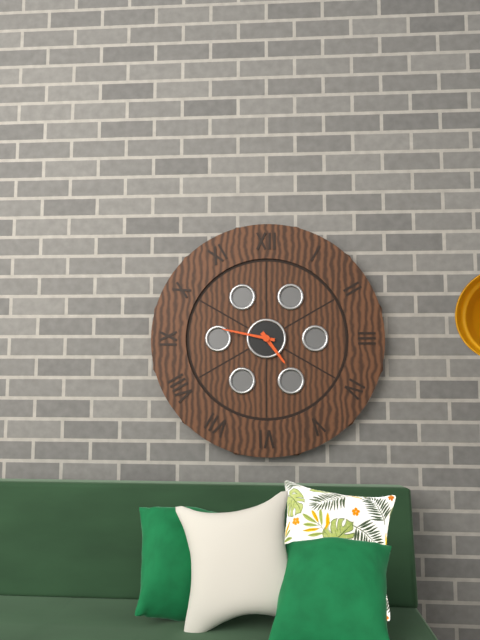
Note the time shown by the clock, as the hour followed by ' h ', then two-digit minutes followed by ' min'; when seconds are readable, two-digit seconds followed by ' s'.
4 h 47 min
